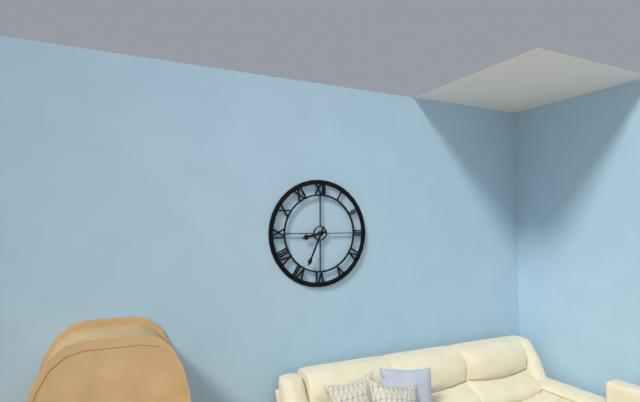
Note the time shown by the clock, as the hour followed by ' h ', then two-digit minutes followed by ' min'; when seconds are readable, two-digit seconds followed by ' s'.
8 h 34 min
